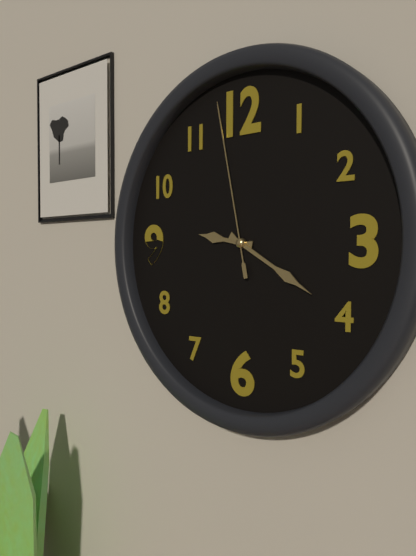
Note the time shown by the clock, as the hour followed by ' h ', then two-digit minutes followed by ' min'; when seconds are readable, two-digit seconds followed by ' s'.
9 h 20 min 58 s
